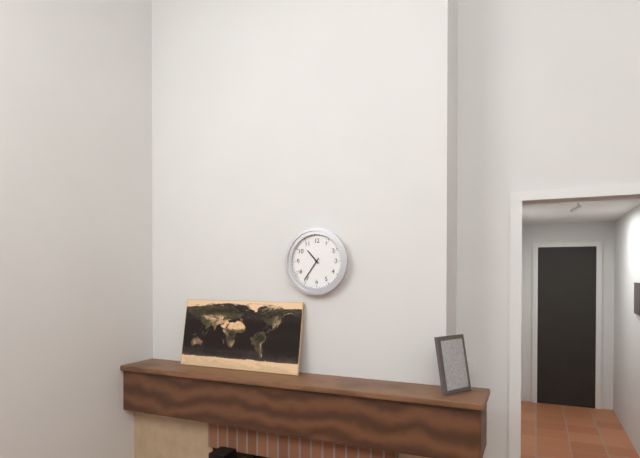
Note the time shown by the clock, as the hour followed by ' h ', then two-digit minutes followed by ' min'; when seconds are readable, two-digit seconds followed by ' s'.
10 h 36 min
